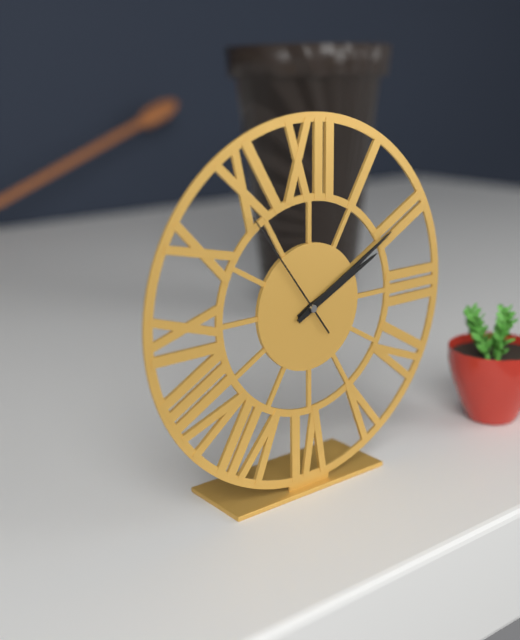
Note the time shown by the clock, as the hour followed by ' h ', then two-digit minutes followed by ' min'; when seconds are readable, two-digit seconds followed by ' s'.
2 h 10 min 54 s
